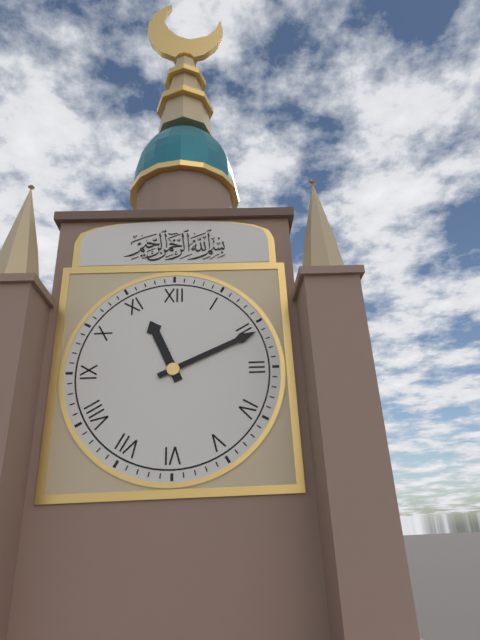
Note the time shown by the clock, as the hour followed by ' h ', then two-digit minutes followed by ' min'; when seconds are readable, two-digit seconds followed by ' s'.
11 h 11 min
